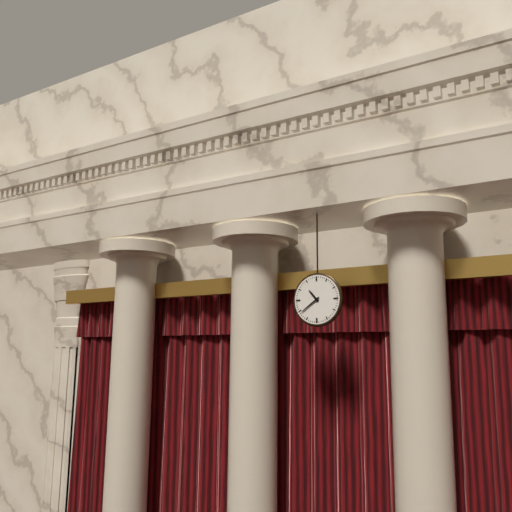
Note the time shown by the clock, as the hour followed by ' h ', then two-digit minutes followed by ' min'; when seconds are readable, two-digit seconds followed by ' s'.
10 h 39 min
